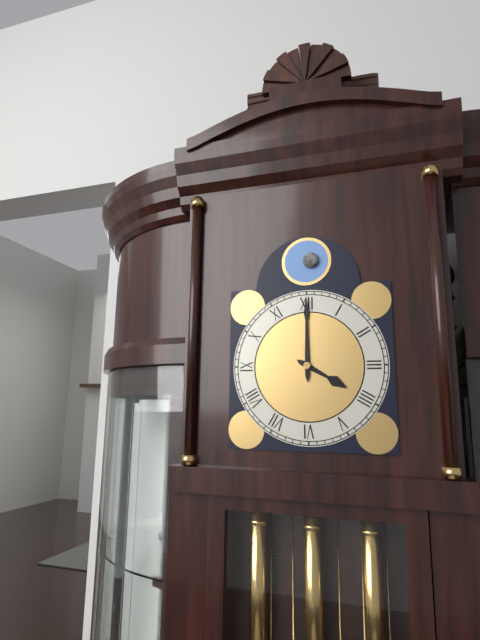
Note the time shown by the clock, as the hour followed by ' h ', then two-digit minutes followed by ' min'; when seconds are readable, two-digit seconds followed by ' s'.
4 h 00 min
